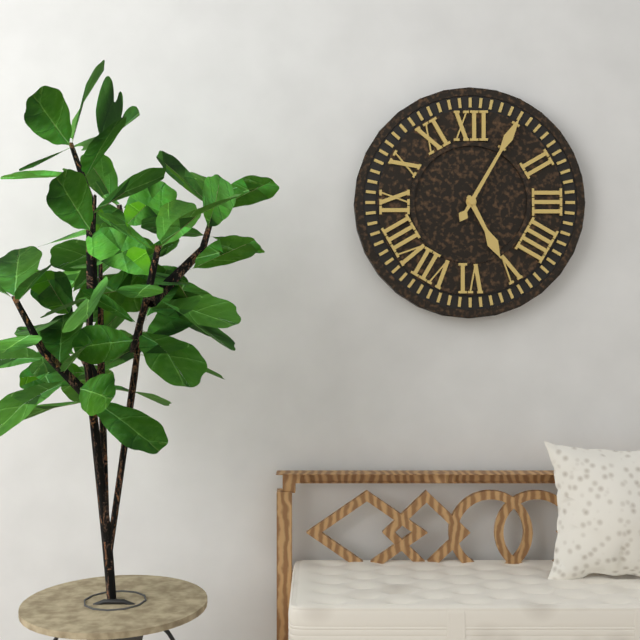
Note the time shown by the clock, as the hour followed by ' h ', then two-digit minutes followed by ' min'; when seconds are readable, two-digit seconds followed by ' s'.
5 h 05 min
